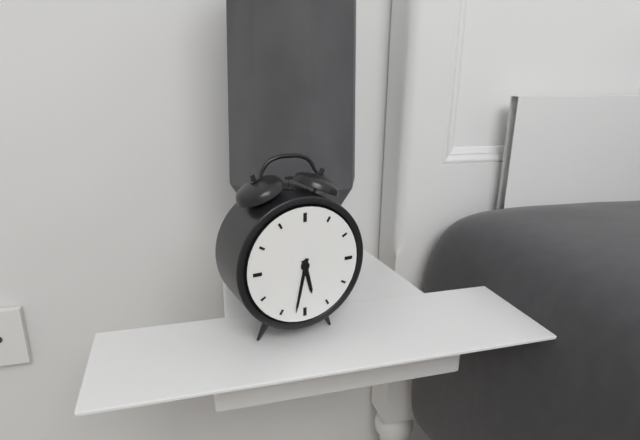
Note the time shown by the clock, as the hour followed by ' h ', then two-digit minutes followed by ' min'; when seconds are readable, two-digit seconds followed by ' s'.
5 h 32 min
